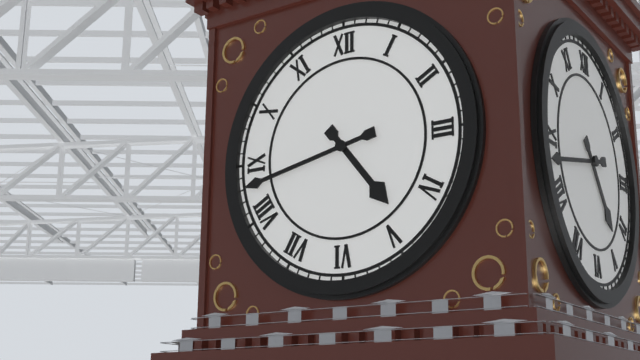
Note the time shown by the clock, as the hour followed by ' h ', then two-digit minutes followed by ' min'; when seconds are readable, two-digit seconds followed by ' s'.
4 h 43 min
